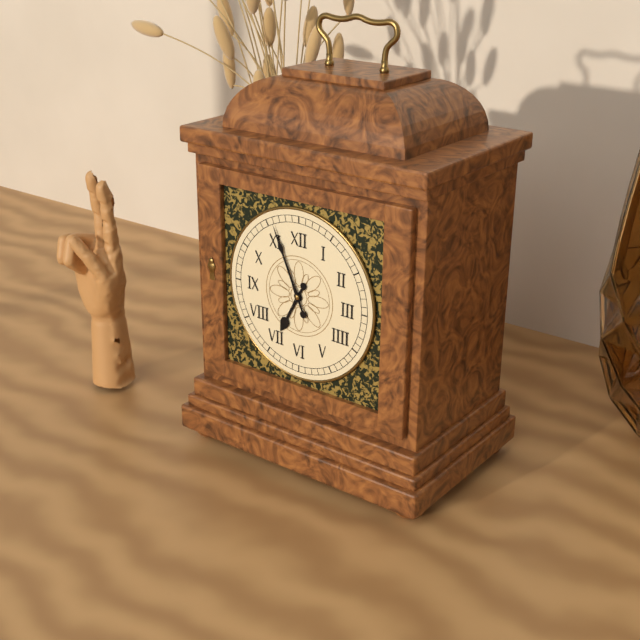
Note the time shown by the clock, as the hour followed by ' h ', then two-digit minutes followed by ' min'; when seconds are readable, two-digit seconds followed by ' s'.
6 h 56 min
